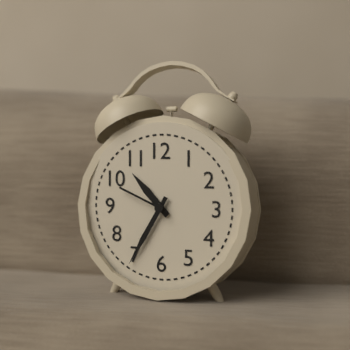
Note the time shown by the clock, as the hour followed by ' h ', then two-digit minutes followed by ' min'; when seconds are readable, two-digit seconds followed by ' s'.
10 h 35 min 49 s
